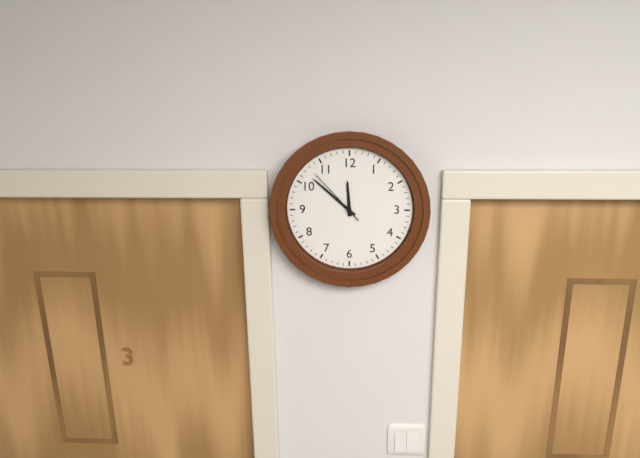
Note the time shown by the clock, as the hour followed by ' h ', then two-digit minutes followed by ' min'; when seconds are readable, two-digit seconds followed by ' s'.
11 h 52 min 53 s
